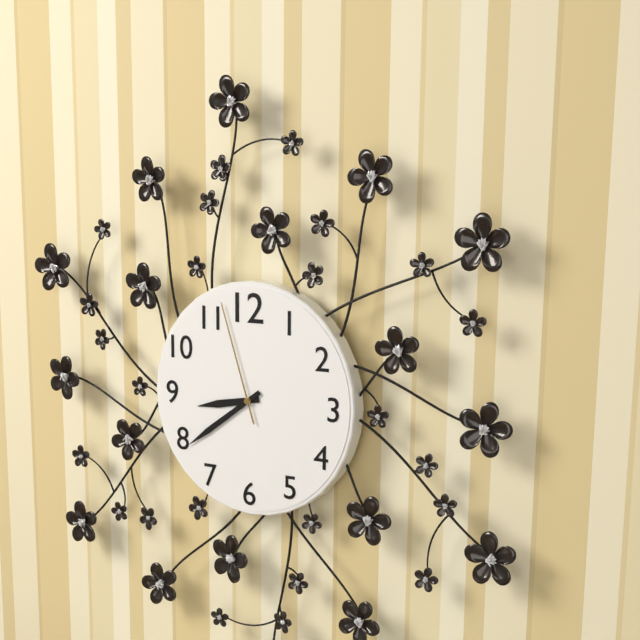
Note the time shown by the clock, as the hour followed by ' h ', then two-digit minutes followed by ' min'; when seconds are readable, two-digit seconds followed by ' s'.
8 h 39 min 57 s
